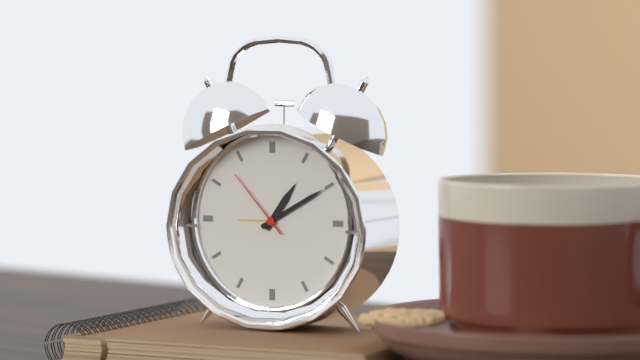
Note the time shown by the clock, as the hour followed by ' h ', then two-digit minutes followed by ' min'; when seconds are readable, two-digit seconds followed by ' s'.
1 h 10 min 53 s
